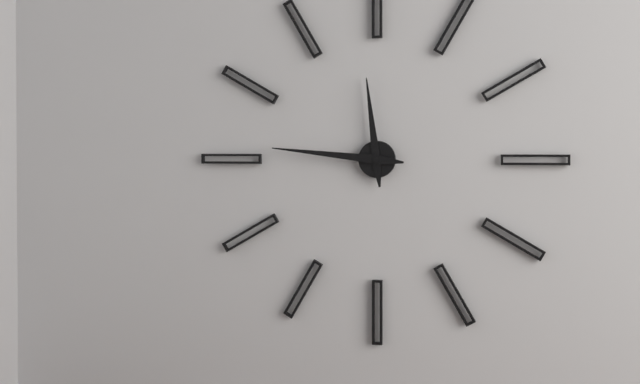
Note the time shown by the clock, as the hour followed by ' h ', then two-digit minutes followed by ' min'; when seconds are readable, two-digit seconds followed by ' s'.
11 h 46 min
